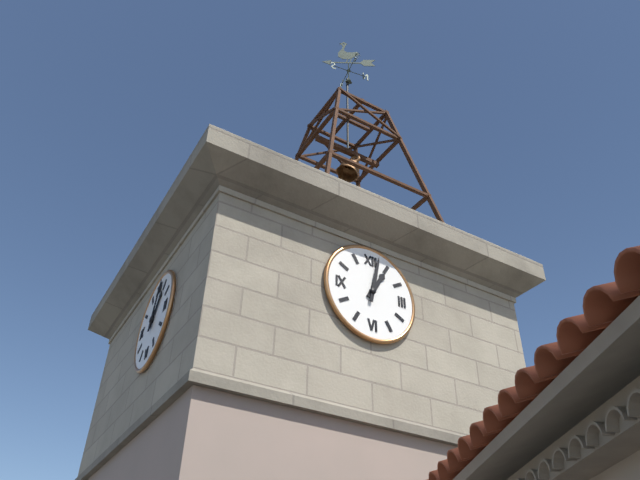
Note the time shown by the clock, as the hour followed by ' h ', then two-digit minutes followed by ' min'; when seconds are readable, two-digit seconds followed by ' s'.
1 h 02 min
